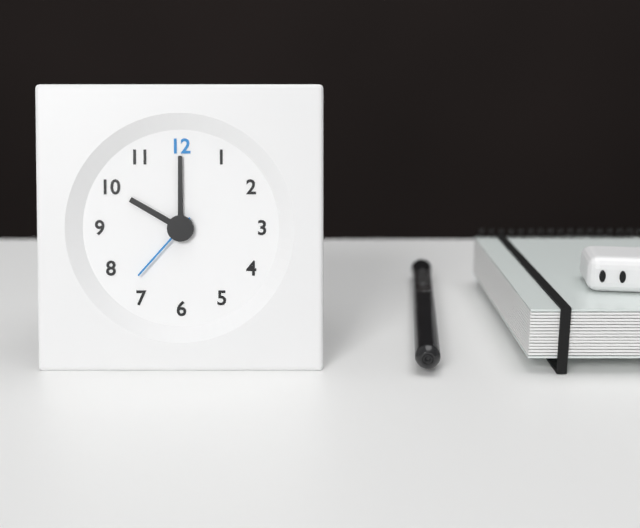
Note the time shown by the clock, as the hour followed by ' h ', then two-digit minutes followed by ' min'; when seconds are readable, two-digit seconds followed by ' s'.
10 h 00 min 37 s
